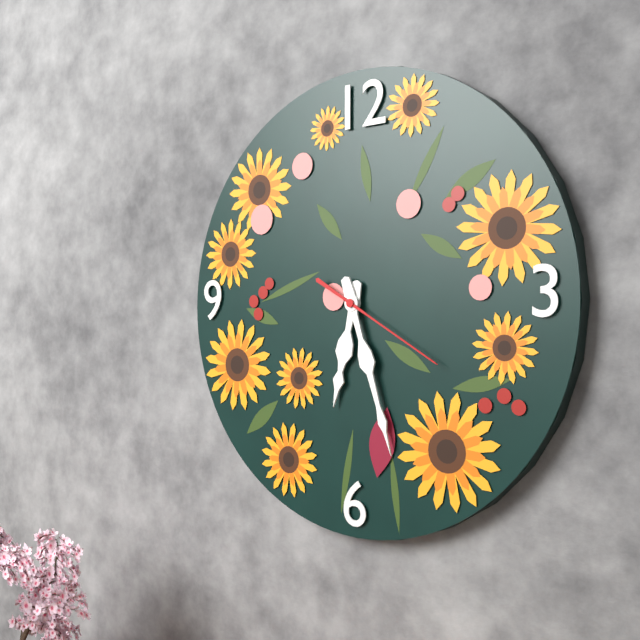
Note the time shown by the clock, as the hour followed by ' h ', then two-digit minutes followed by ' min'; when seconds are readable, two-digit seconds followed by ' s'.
6 h 27 min 20 s
